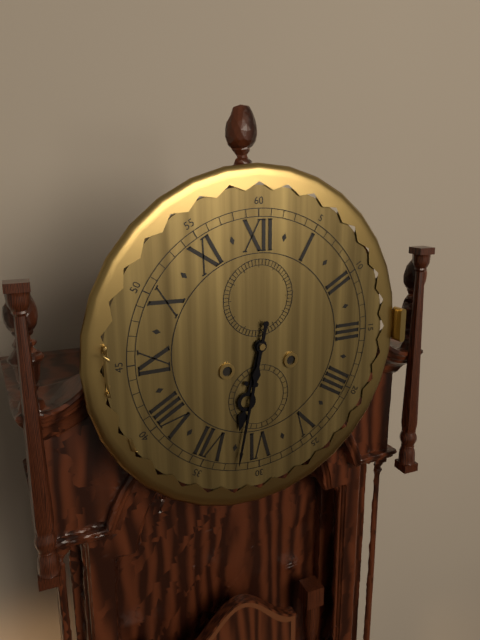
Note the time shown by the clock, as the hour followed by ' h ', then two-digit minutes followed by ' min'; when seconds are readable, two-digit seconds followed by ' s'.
6 h 32 min
